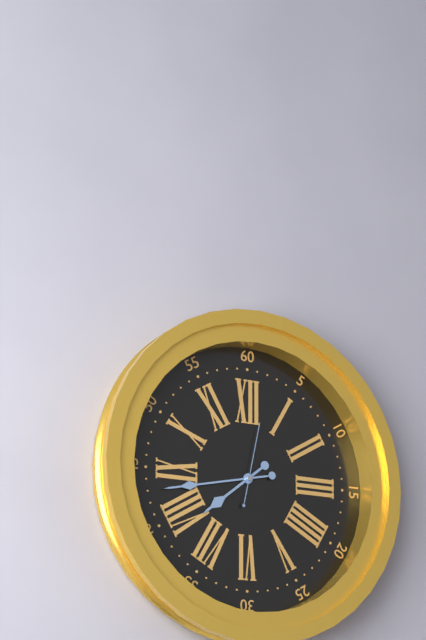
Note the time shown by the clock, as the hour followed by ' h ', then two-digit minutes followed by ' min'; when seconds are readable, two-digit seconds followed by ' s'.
7 h 43 min 02 s
